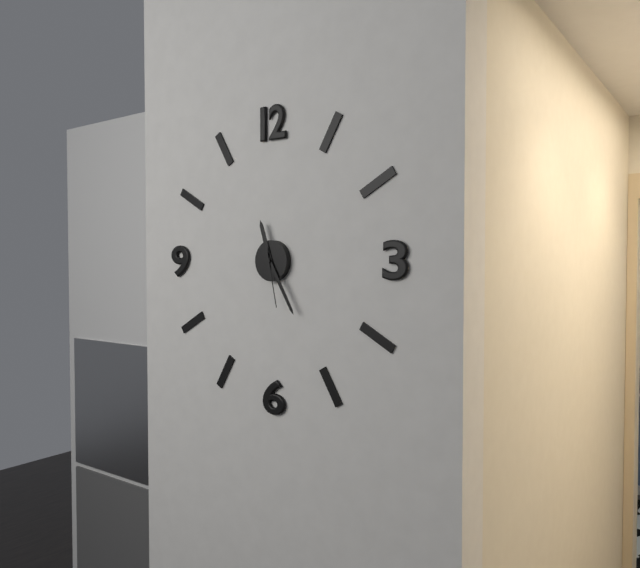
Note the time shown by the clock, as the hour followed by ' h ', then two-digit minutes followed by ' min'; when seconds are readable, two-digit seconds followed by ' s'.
11 h 25 min 28 s
